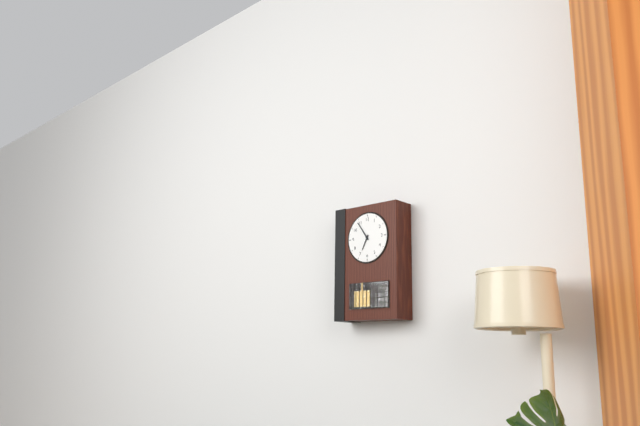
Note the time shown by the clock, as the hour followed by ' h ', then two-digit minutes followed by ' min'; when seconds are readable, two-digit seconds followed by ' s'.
6 h 54 min
